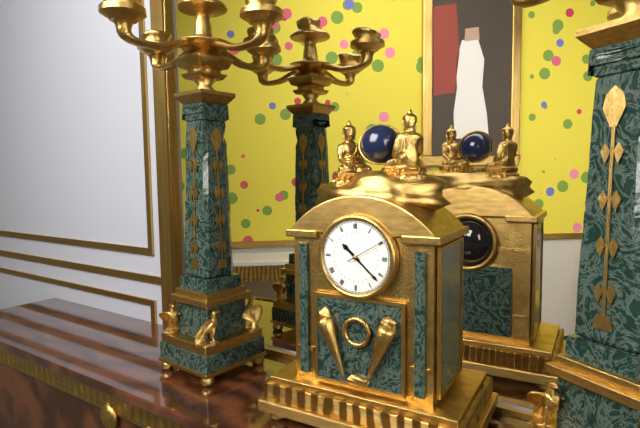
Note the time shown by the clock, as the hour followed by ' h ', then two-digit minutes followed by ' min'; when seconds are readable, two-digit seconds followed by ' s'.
10 h 22 min
